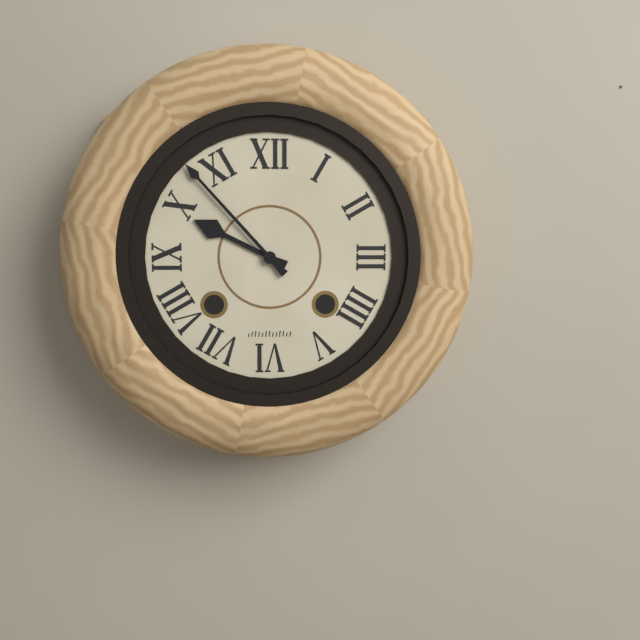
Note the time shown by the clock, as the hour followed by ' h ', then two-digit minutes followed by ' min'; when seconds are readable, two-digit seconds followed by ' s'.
9 h 53 min
